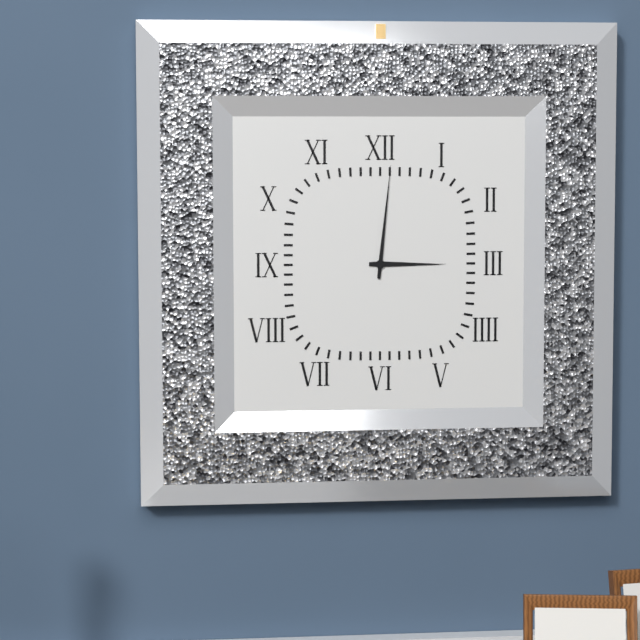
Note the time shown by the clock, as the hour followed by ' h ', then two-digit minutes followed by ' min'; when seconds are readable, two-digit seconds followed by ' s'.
3 h 01 min
